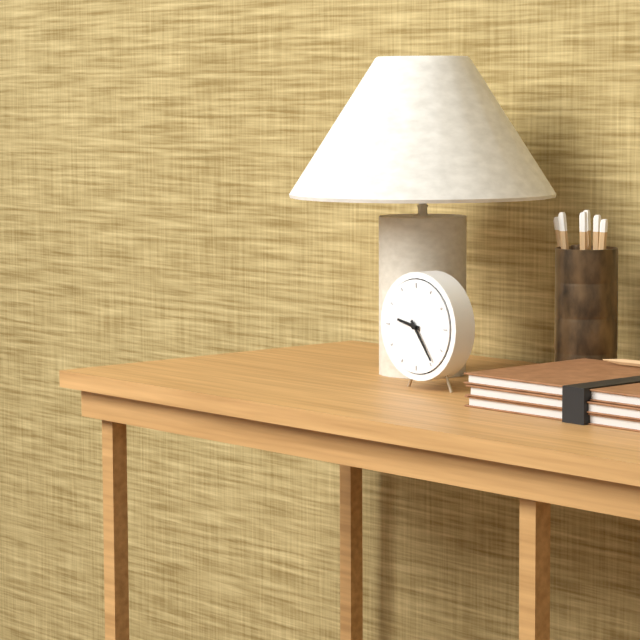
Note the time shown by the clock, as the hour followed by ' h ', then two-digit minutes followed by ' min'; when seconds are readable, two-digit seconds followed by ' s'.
9 h 24 min
